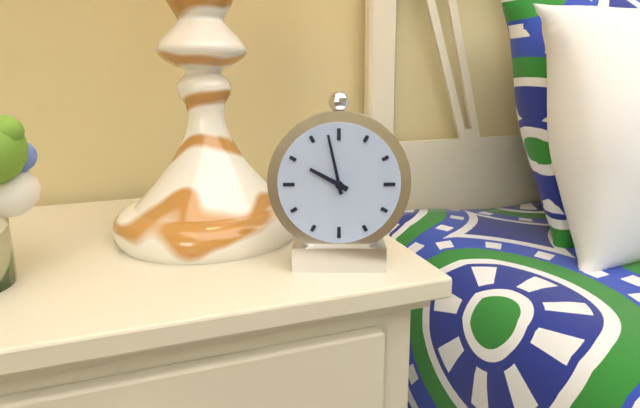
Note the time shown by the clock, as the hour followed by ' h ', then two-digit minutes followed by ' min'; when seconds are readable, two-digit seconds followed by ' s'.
9 h 58 min
